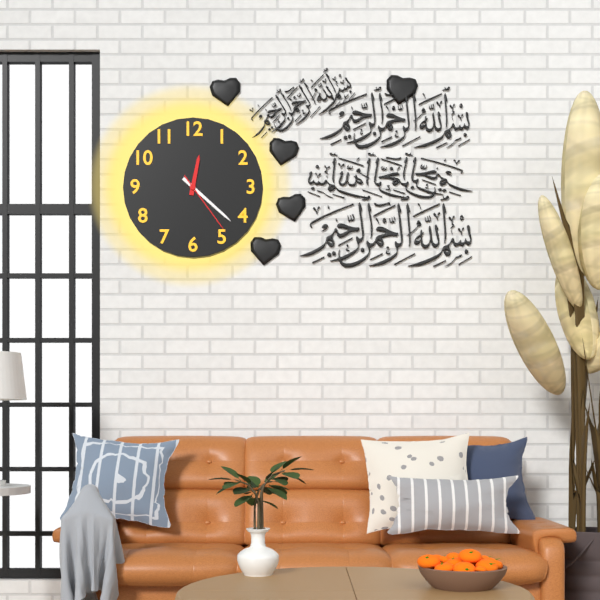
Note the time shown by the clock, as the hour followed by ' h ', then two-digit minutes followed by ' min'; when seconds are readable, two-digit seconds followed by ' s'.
12 h 22 min 24 s
